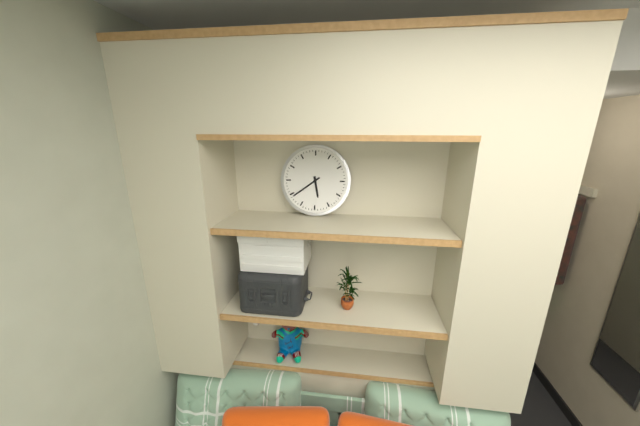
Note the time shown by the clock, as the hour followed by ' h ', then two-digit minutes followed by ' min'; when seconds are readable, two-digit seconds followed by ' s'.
5 h 39 min
